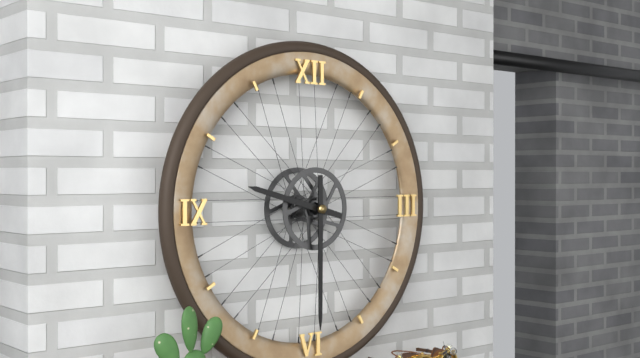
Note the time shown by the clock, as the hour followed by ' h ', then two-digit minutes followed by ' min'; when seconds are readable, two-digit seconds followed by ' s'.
9 h 30 min
